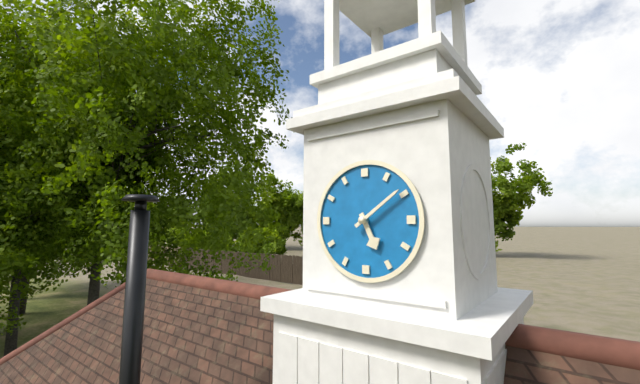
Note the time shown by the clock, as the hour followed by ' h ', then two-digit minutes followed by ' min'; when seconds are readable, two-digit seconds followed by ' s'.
5 h 09 min
